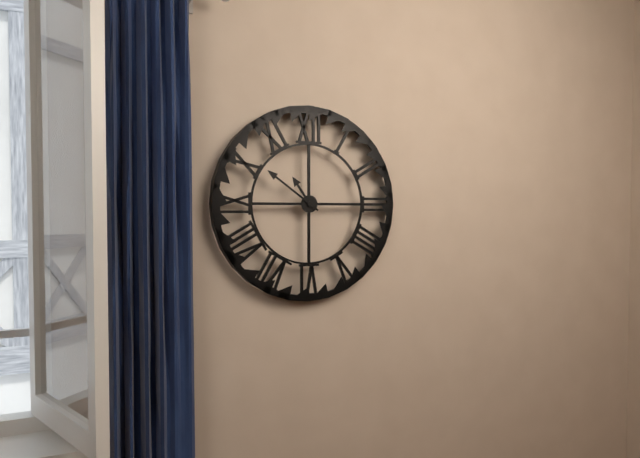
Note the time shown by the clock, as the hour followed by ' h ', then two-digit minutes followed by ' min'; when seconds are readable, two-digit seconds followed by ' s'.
10 h 51 min
